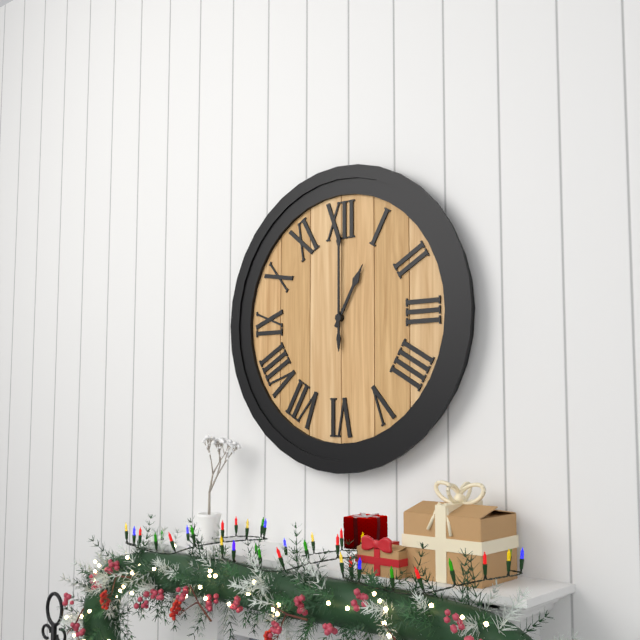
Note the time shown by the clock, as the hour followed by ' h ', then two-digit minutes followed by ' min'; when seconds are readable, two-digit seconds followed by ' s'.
1 h 00 min
